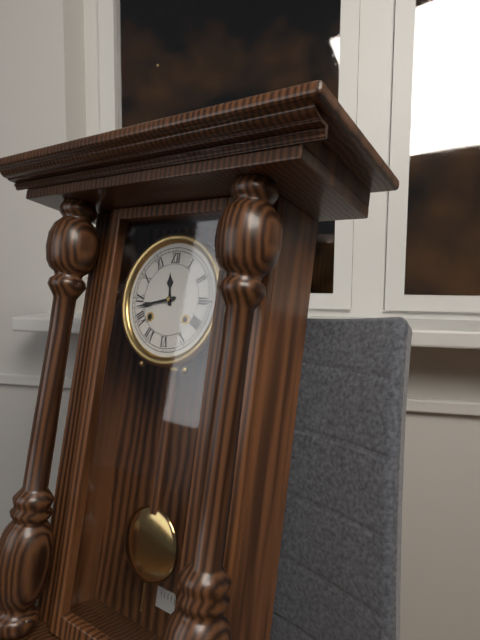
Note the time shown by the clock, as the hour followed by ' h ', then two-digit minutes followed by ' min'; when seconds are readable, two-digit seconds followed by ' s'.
11 h 43 min
